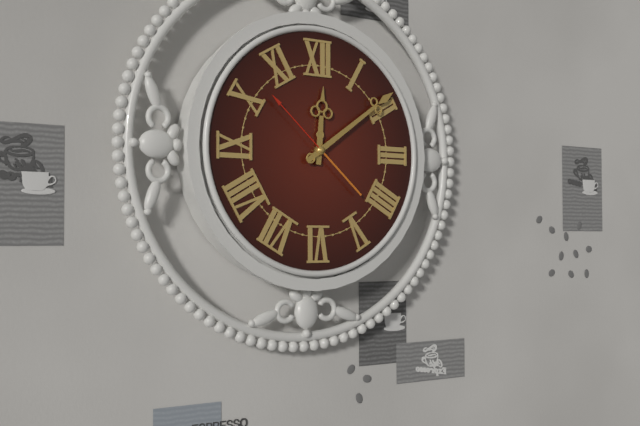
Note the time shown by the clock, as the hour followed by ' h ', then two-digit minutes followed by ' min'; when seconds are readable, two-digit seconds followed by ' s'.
12 h 09 min 52 s
